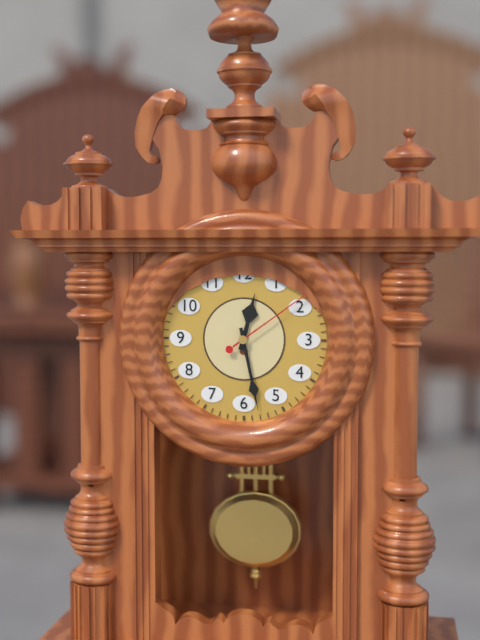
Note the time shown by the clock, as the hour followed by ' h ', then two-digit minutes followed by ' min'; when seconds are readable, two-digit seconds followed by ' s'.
12 h 28 min 09 s
